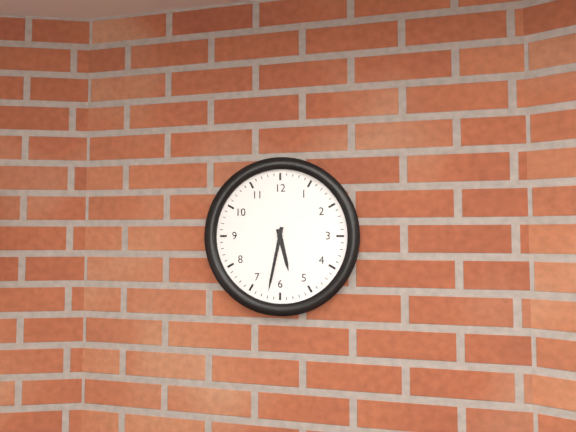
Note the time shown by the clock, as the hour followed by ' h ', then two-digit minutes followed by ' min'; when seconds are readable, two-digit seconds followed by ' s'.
5 h 32 min
